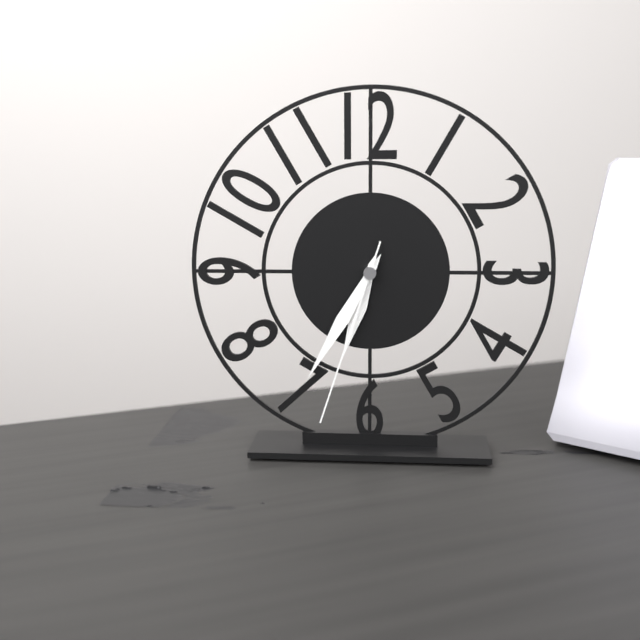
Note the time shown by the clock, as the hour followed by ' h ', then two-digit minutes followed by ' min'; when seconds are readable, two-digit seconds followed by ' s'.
6 h 35 min 33 s
